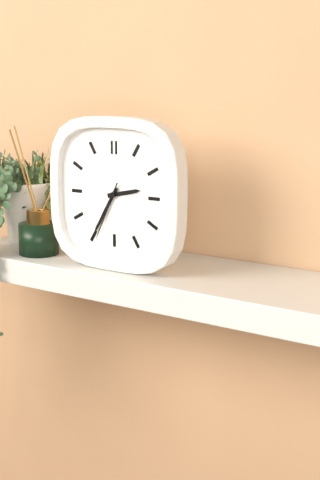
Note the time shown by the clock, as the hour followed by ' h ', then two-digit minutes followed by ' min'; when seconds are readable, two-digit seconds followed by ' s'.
2 h 35 min 34 s
